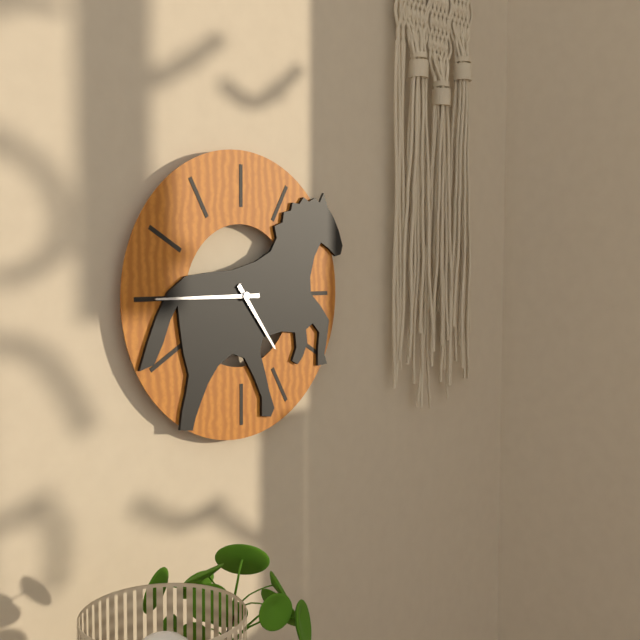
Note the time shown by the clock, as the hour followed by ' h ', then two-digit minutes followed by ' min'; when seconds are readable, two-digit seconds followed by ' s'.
4 h 45 min
